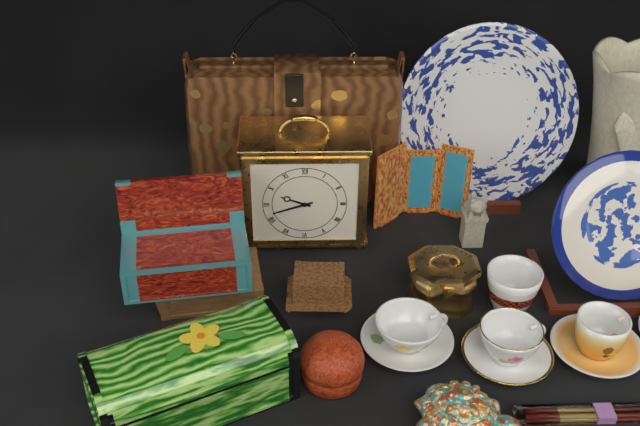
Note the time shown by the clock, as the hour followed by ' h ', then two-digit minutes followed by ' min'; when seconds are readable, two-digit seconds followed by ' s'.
9 h 42 min
